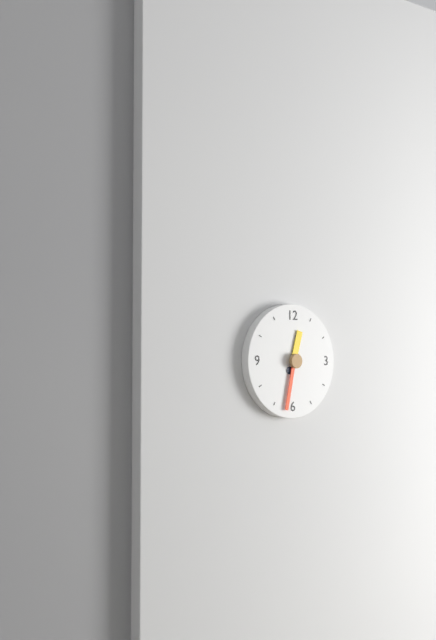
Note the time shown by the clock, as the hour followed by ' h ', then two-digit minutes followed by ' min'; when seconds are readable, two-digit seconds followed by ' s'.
12 h 32 min
